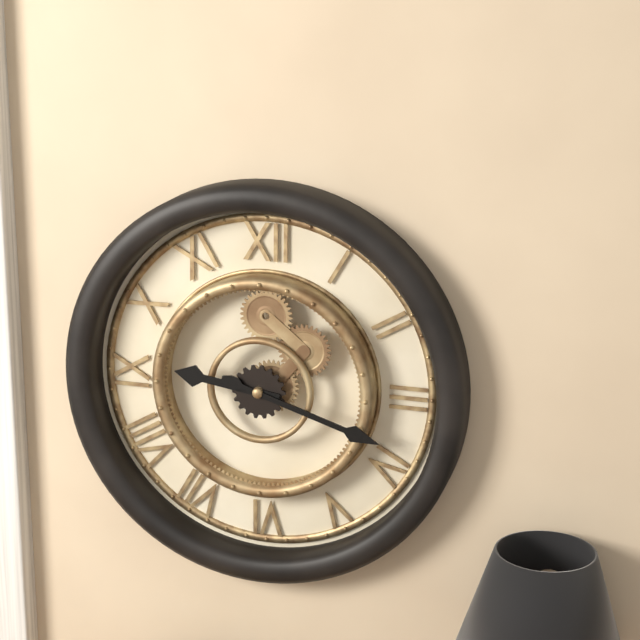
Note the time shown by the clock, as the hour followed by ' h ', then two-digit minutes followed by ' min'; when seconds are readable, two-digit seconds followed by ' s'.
9 h 18 min
